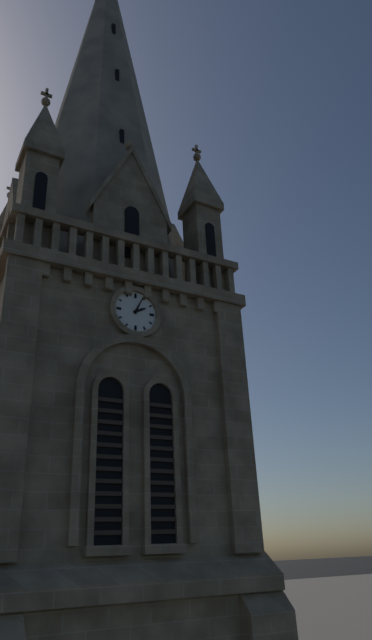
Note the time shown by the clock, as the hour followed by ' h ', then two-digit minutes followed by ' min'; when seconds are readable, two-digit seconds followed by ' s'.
2 h 04 min
